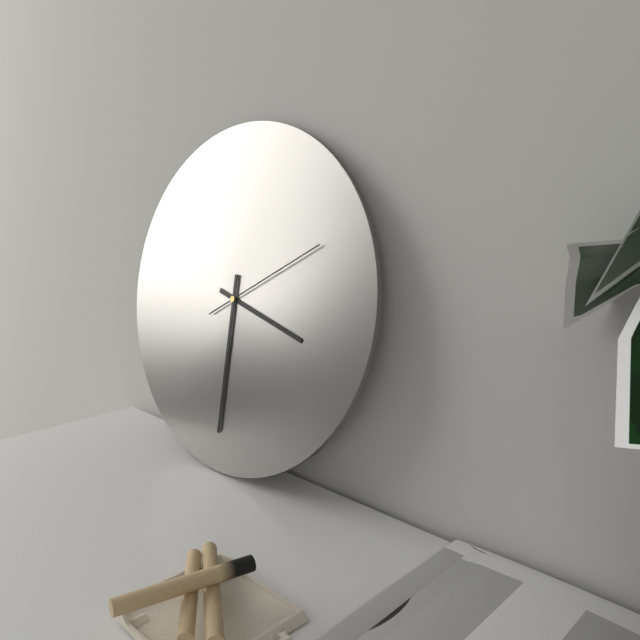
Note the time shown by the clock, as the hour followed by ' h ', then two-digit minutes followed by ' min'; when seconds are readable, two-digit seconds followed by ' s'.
3 h 30 min 10 s
